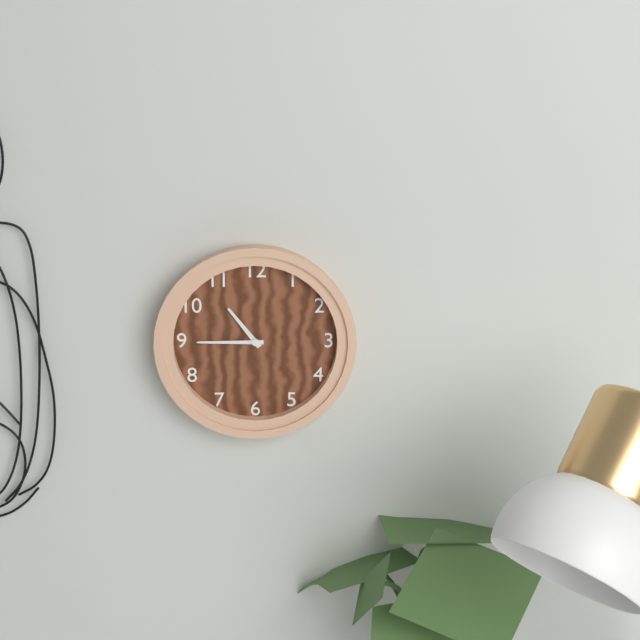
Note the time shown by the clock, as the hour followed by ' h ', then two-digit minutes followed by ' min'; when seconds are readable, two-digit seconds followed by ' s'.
10 h 45 min
